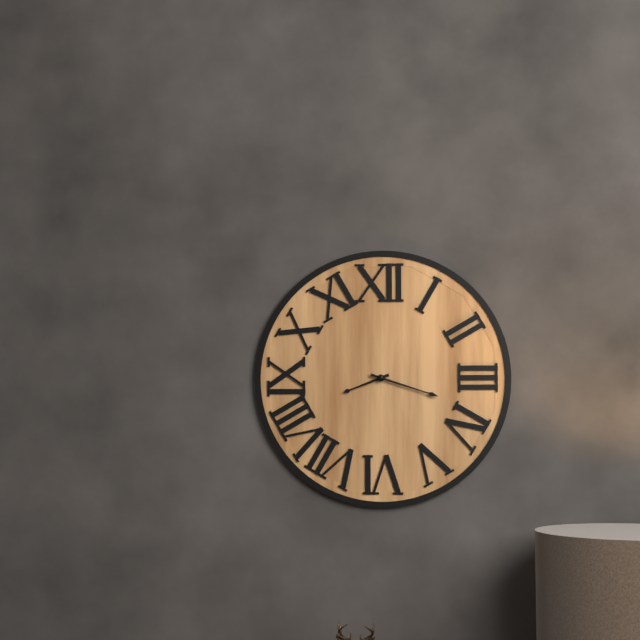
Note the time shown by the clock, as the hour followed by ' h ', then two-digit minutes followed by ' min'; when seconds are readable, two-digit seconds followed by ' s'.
8 h 18 min
